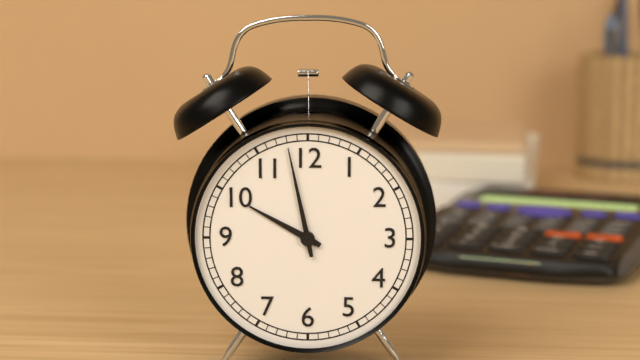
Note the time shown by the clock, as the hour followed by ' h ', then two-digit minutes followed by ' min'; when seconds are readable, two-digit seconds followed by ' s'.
9 h 58 min
